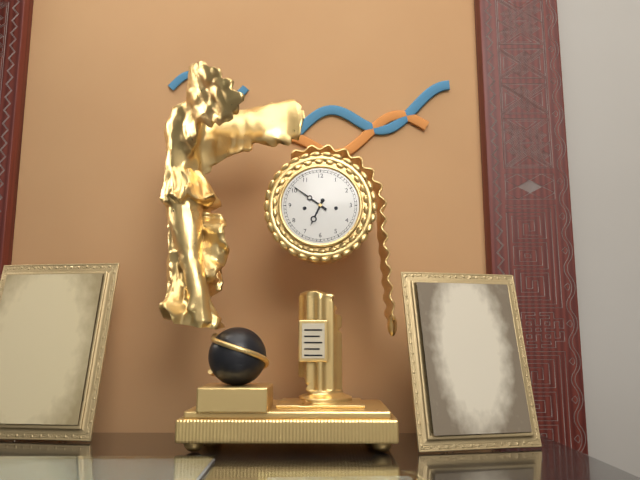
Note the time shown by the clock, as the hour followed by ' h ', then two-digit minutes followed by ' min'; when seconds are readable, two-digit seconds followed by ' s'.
6 h 51 min
